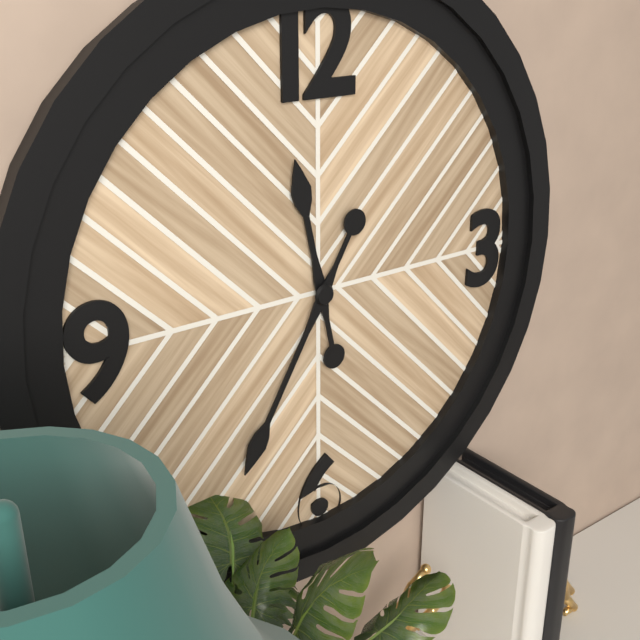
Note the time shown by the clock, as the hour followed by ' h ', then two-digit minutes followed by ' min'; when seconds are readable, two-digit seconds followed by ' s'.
11 h 35 min
